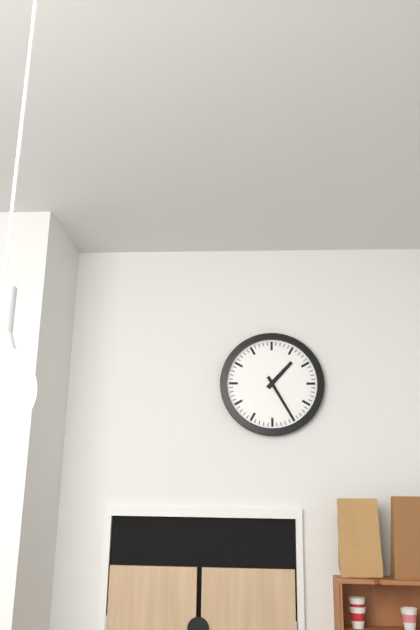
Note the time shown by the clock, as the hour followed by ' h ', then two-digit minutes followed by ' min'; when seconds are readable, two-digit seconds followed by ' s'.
1 h 25 min
